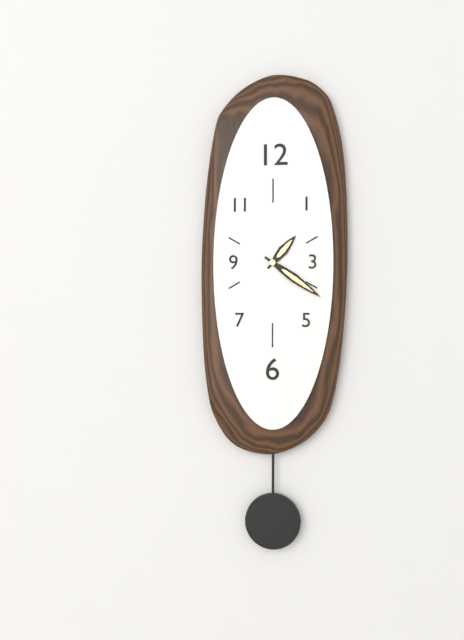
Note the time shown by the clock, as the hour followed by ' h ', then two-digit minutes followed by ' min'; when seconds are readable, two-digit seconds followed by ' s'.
1 h 21 min
